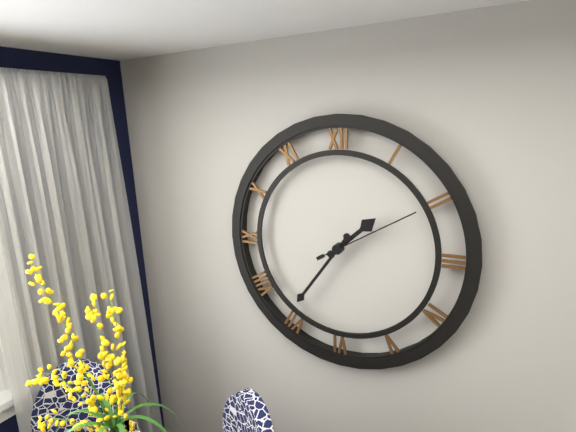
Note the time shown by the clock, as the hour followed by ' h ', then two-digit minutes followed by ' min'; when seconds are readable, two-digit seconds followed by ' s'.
1 h 36 min 10 s
